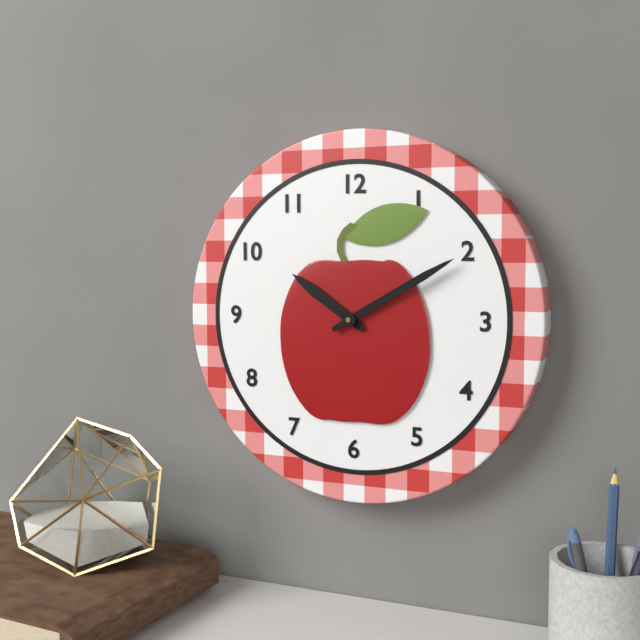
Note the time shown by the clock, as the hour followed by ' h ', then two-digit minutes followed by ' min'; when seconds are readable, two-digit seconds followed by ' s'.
10 h 10 min
